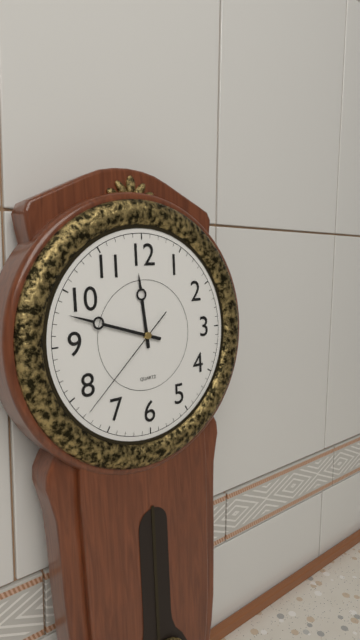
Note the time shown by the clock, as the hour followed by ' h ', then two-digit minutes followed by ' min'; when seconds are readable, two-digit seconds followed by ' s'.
11 h 48 min 38 s
